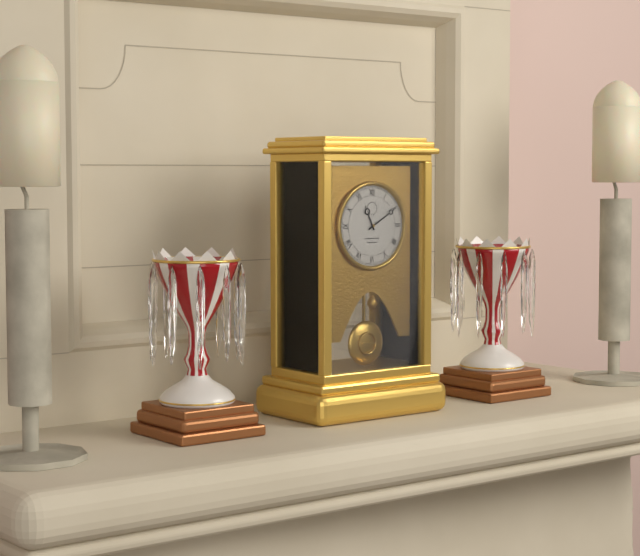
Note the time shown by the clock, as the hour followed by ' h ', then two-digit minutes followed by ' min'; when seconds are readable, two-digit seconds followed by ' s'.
11 h 10 min
